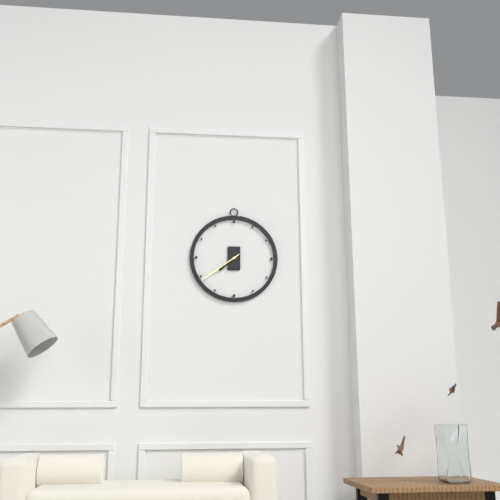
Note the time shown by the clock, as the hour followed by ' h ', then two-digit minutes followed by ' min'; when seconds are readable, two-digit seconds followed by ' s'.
7 h 39 min
